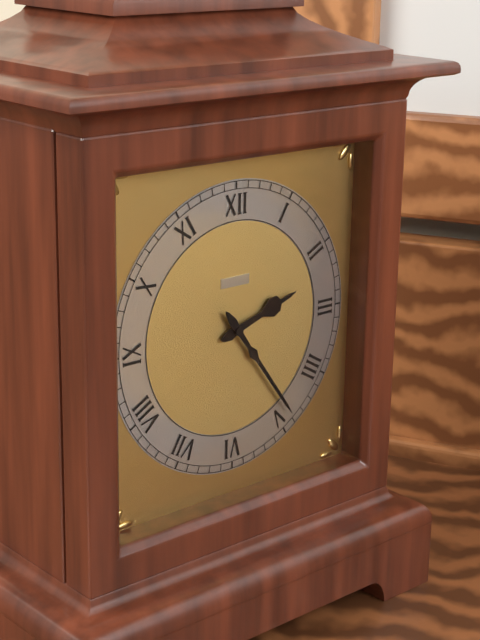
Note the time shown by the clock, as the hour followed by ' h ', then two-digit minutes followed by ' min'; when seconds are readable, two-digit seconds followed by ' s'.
2 h 24 min
